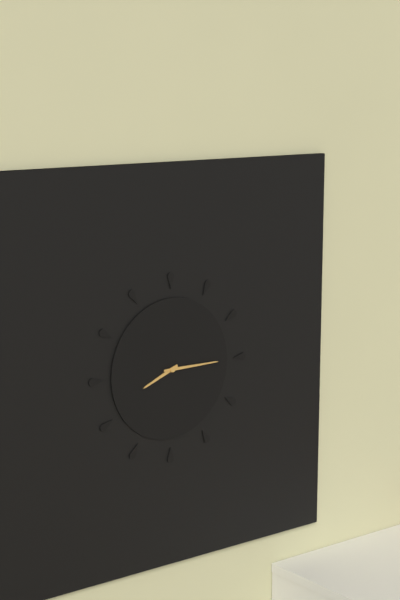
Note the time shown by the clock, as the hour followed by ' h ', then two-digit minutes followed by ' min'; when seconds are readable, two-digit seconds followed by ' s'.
8 h 15 min
